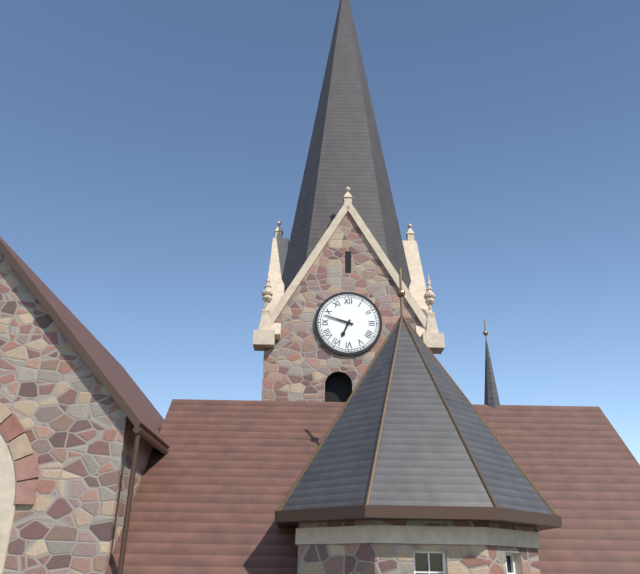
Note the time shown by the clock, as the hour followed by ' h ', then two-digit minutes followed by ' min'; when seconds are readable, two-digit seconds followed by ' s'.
6 h 48 min
